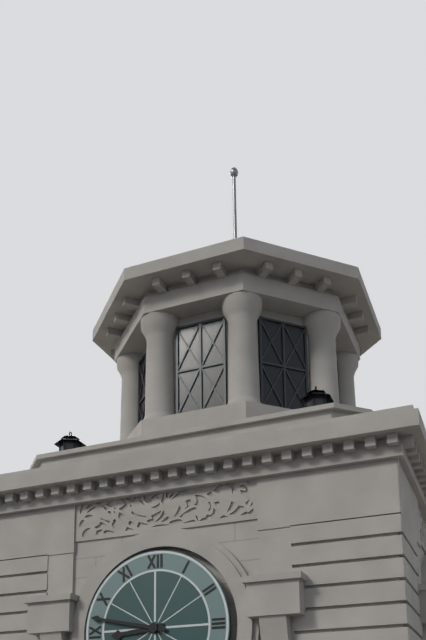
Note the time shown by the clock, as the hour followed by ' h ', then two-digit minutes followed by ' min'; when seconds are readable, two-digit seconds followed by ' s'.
8 h 47 min
